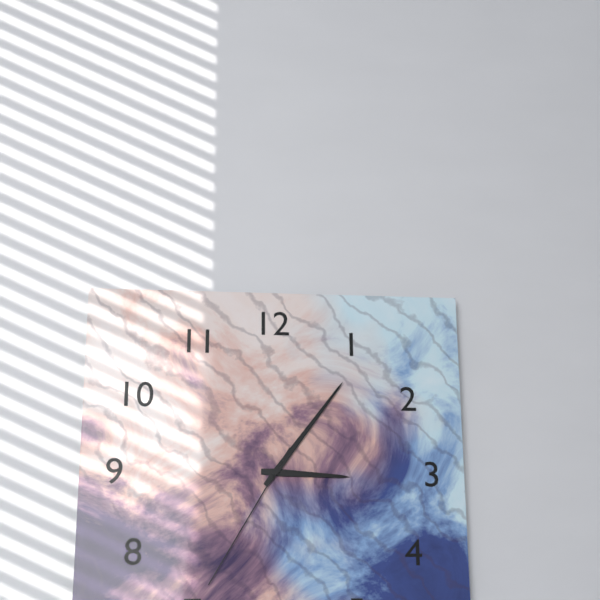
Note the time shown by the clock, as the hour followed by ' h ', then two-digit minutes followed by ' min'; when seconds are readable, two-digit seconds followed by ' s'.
3 h 06 min 35 s
